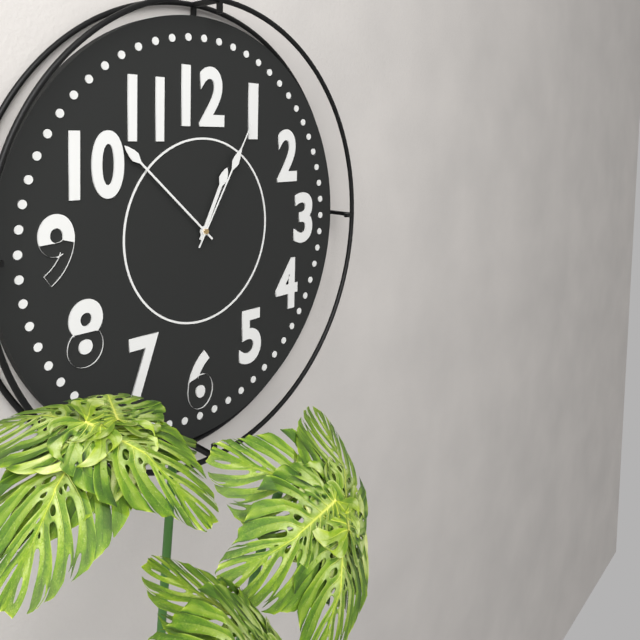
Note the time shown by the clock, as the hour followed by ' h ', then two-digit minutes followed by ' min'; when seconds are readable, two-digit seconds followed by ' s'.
12 h 52 min 05 s
